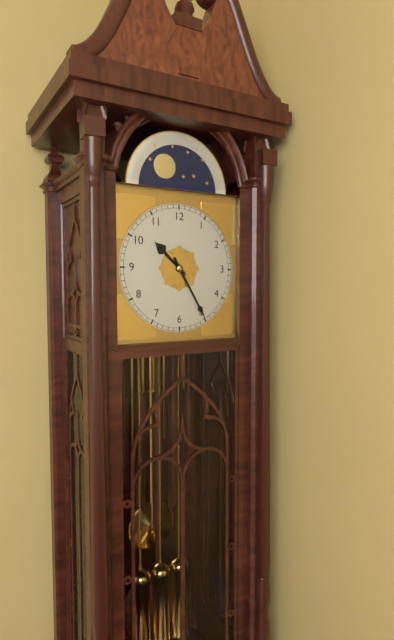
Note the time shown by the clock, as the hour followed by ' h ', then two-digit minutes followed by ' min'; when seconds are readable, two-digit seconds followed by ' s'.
10 h 25 min
